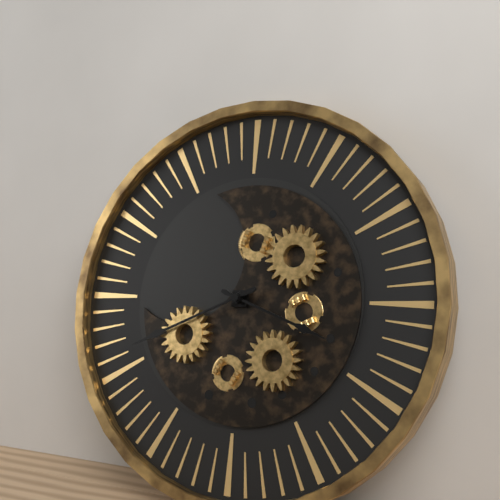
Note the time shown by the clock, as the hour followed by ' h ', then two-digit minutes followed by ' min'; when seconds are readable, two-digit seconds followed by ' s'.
3 h 41 min
